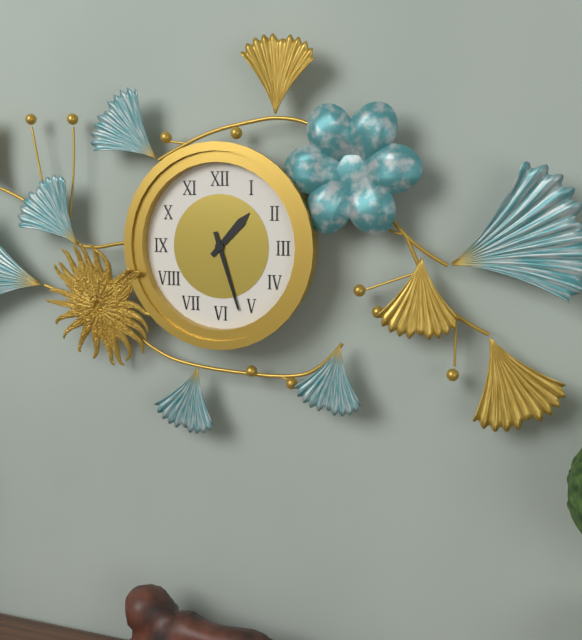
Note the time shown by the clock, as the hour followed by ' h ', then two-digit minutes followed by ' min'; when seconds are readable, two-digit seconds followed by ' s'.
1 h 27 min
